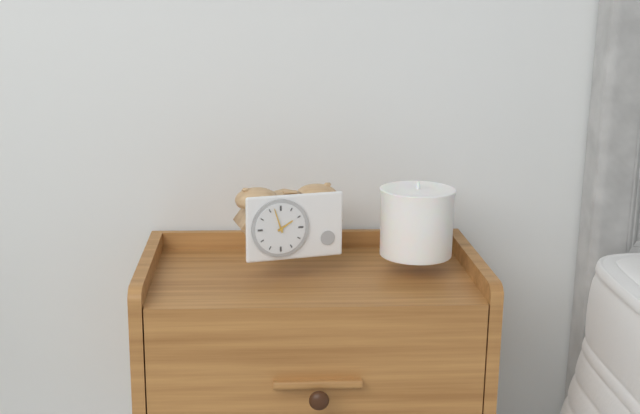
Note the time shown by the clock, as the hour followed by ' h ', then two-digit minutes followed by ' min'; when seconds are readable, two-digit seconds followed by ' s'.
1 h 57 min
